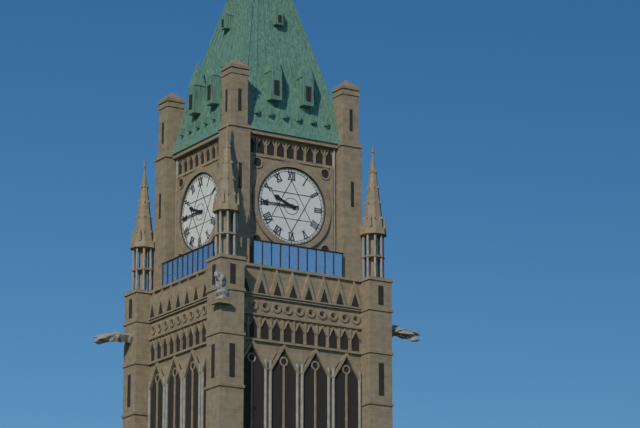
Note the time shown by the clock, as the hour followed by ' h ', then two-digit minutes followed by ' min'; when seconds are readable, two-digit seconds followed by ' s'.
9 h 45 min
